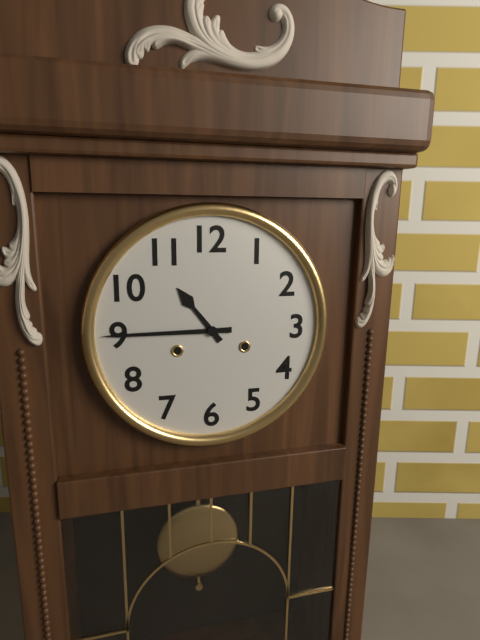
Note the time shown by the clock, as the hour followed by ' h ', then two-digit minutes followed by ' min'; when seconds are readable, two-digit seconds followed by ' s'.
10 h 45 min
